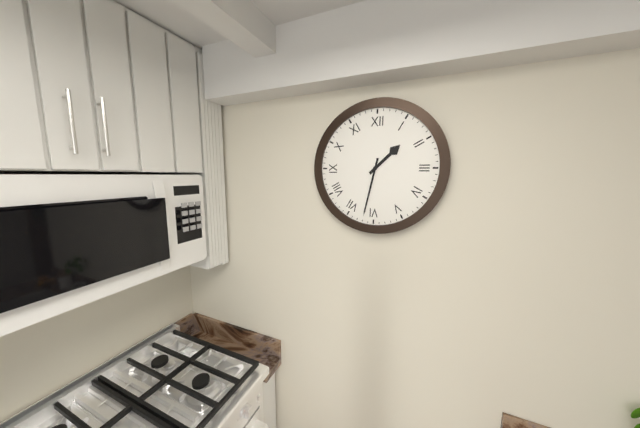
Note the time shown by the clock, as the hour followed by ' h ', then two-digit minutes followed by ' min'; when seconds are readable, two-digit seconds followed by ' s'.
1 h 32 min
